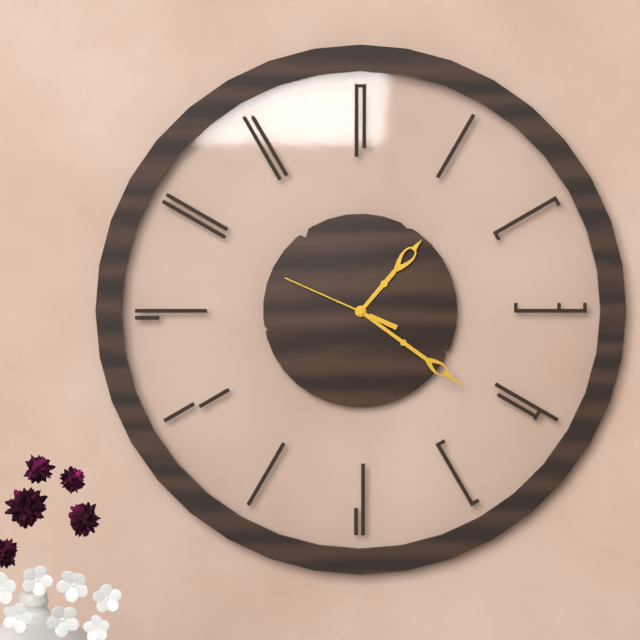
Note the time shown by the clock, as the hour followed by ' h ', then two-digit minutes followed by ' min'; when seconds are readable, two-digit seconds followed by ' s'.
1 h 21 min 49 s
